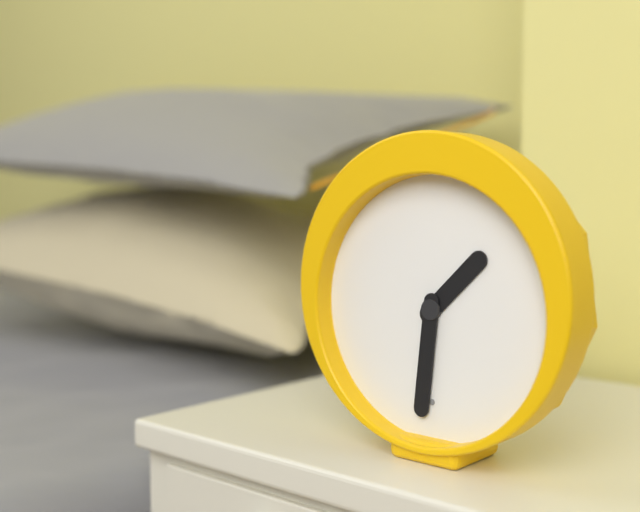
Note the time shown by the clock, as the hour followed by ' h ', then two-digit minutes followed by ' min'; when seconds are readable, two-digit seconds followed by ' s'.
1 h 31 min
